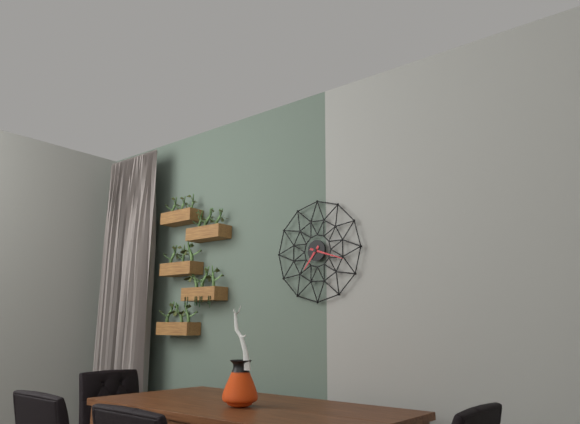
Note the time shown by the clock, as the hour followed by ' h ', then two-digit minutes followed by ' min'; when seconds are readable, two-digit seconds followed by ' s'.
7 h 18 min
